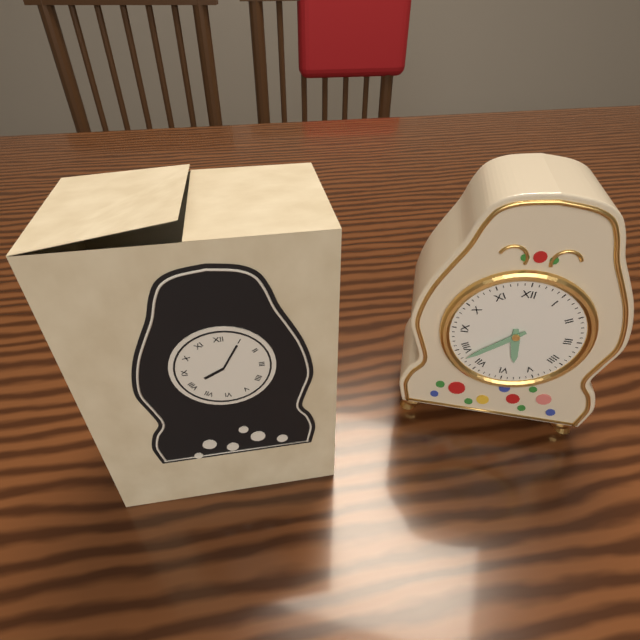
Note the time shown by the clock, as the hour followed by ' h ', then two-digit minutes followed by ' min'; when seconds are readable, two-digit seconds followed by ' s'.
5 h 38 min
